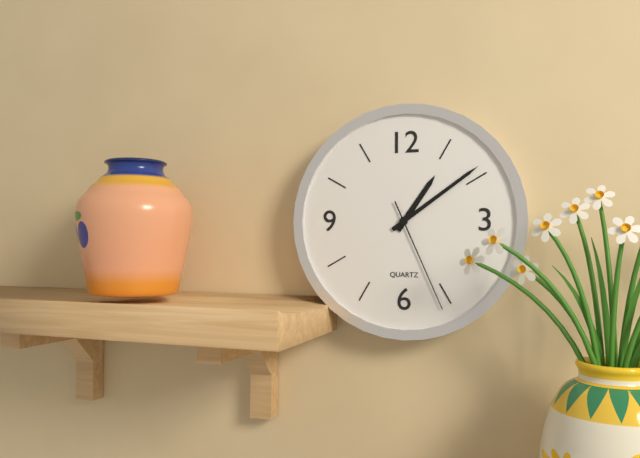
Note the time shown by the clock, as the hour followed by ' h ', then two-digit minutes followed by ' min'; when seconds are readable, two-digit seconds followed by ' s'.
1 h 09 min 26 s
